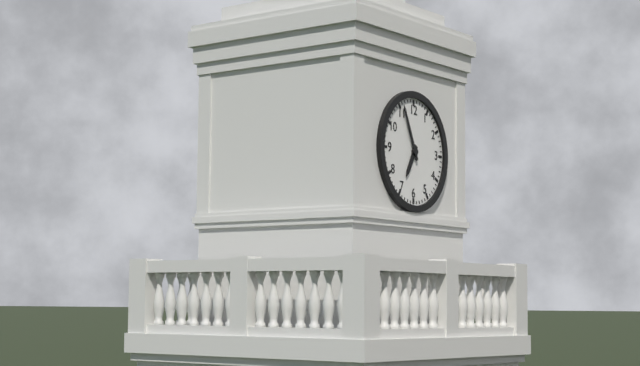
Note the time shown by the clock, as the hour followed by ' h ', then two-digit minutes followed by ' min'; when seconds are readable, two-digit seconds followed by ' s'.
6 h 56 min
